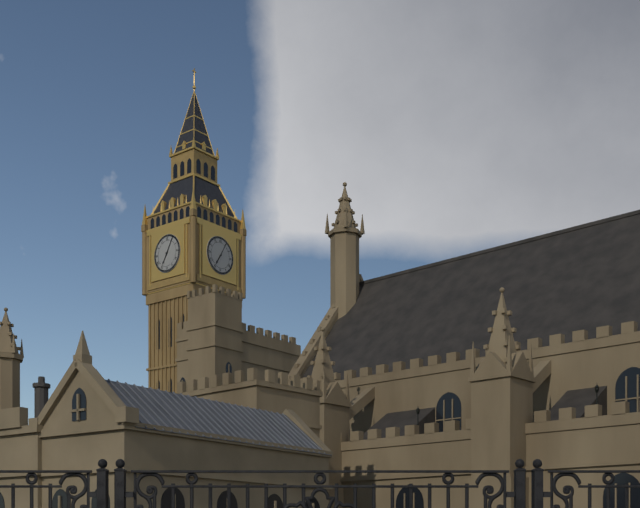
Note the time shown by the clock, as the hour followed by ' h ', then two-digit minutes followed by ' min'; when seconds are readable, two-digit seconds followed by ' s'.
7 h 05 min
